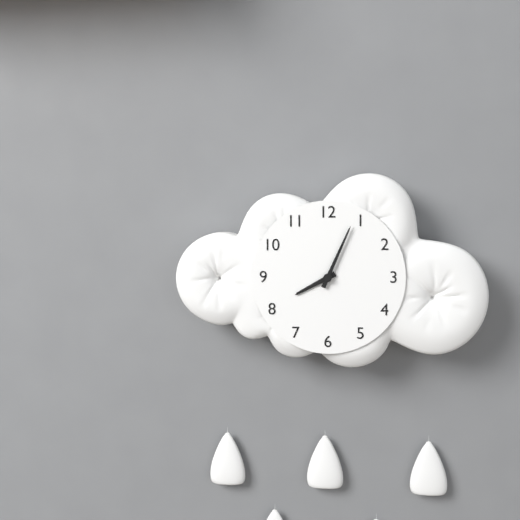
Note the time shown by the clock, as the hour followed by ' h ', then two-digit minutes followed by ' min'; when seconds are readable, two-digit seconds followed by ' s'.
8 h 04 min
